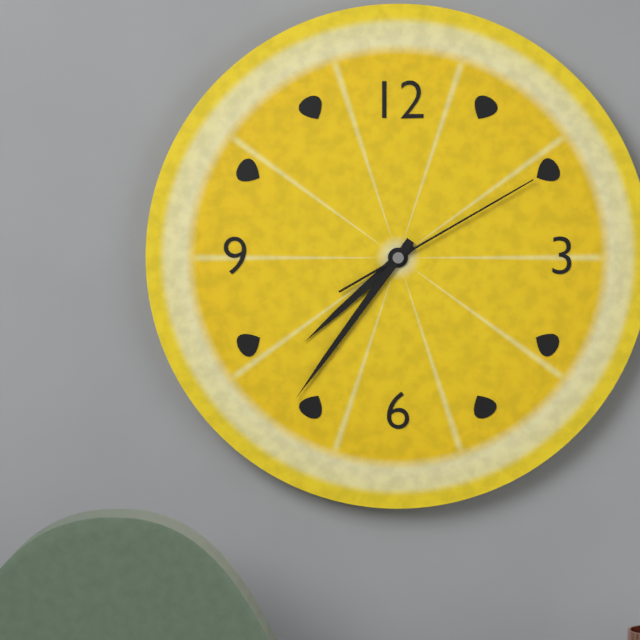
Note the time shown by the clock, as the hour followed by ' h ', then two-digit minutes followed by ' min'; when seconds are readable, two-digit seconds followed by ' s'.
7 h 36 min 10 s
